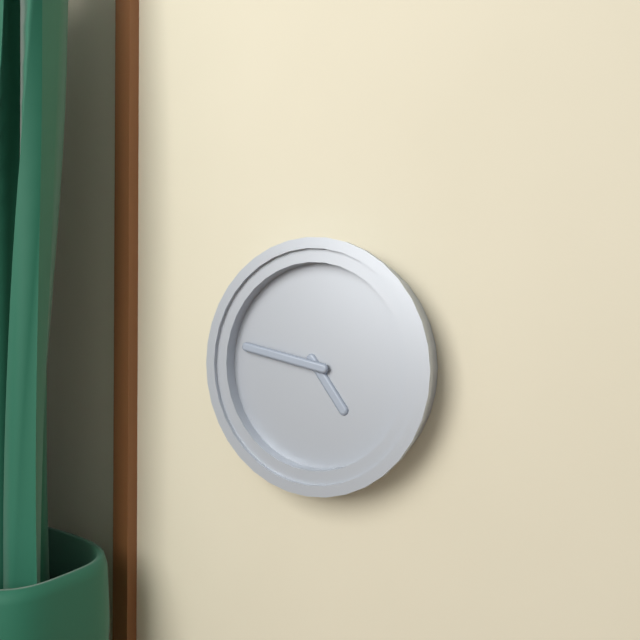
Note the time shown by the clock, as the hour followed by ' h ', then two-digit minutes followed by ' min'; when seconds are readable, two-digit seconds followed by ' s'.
4 h 47 min
